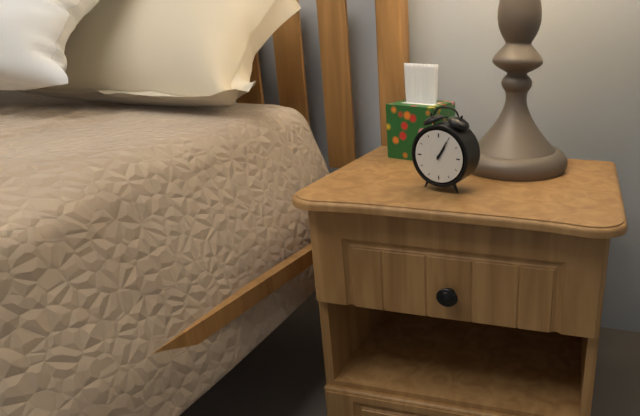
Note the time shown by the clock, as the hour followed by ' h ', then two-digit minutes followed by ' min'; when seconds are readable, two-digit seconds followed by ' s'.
1 h 05 min
